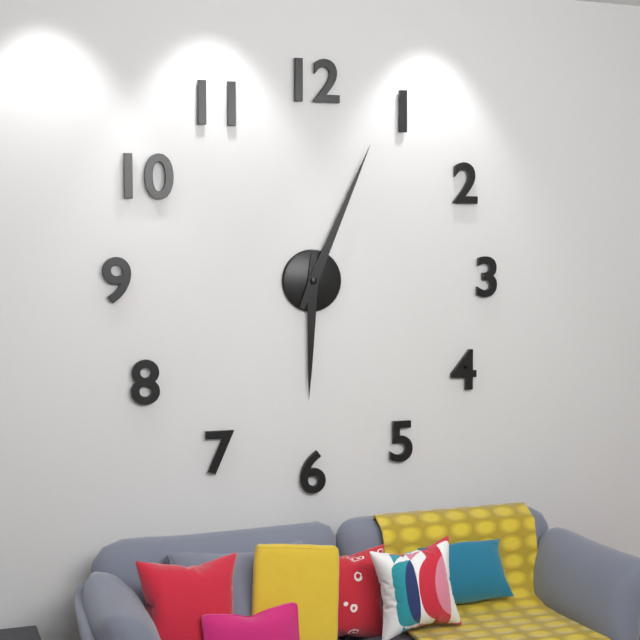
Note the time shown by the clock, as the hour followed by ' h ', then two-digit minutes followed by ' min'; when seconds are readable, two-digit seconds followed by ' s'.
6 h 04 min
